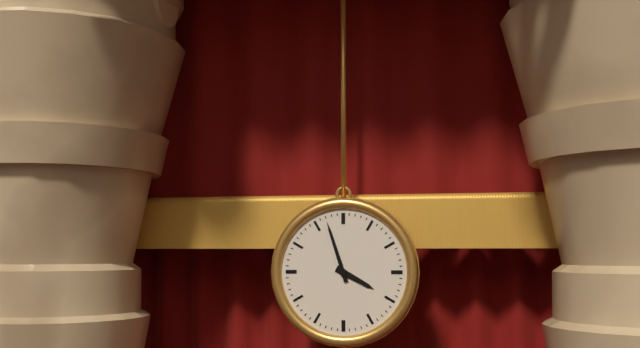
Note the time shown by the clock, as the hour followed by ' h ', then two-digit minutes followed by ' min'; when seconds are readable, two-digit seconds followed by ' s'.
3 h 57 min
